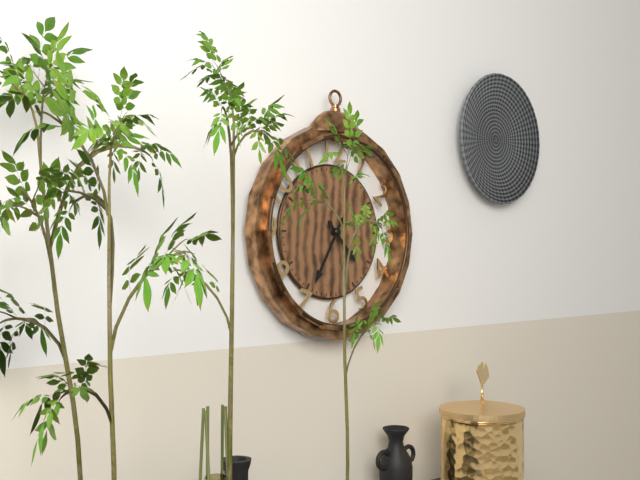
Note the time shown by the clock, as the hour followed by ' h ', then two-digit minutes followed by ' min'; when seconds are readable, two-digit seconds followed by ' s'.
4 h 35 min
